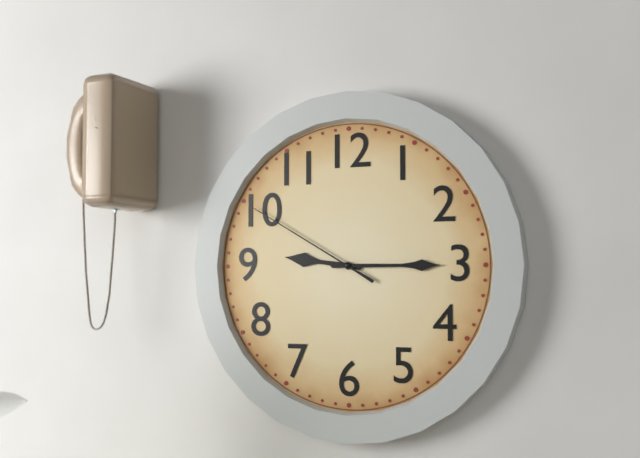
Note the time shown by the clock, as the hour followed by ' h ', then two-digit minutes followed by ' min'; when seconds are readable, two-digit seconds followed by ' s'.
9 h 15 min 50 s
